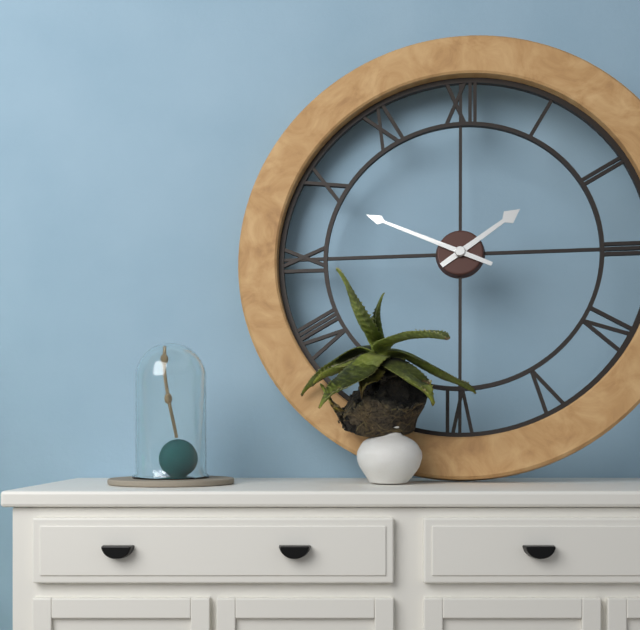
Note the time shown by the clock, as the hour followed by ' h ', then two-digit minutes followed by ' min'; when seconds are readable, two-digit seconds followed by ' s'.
1 h 49 min
